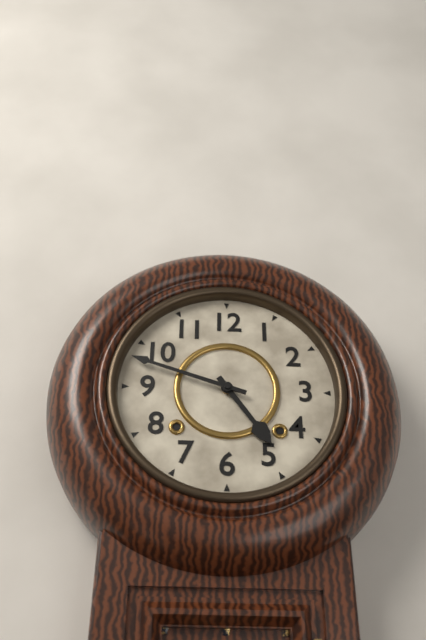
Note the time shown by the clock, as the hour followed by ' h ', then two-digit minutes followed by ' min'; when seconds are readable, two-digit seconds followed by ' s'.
4 h 48 min
